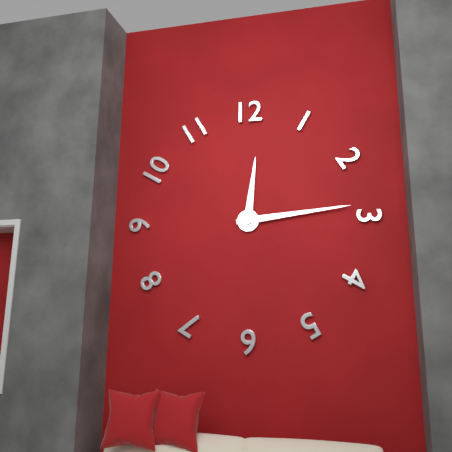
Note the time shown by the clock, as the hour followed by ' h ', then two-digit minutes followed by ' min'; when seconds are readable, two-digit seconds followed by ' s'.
12 h 14 min
